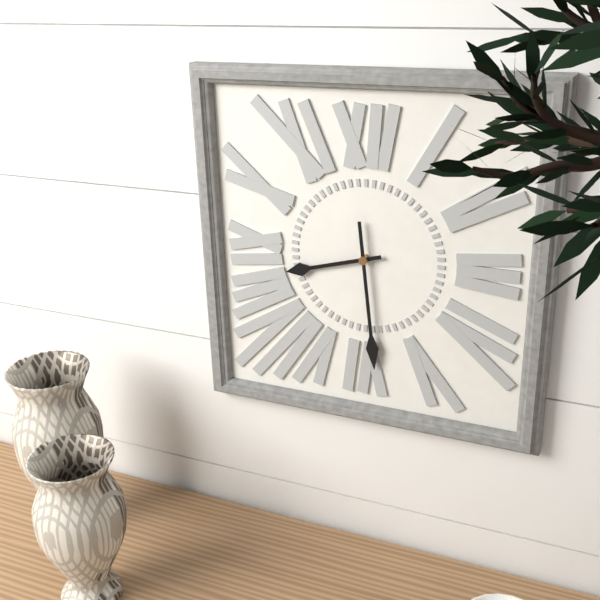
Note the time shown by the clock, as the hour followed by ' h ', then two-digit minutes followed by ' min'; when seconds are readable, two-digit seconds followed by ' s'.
8 h 29 min
